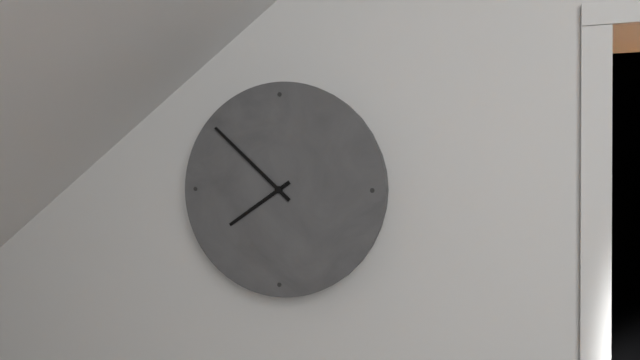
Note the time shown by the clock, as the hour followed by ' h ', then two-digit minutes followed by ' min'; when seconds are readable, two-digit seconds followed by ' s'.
7 h 52 min
